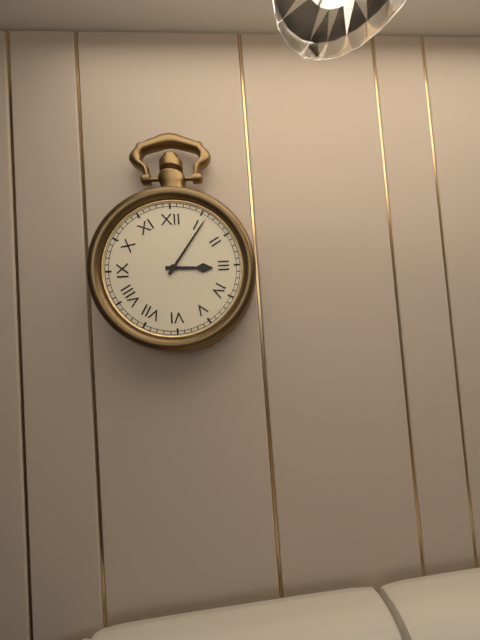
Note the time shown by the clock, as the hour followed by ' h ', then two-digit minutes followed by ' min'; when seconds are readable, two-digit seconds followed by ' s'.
3 h 06 min
